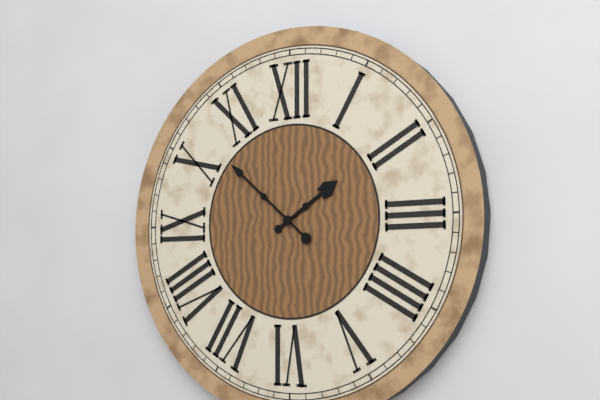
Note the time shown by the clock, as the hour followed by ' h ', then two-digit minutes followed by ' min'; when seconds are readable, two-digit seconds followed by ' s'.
1 h 52 min
